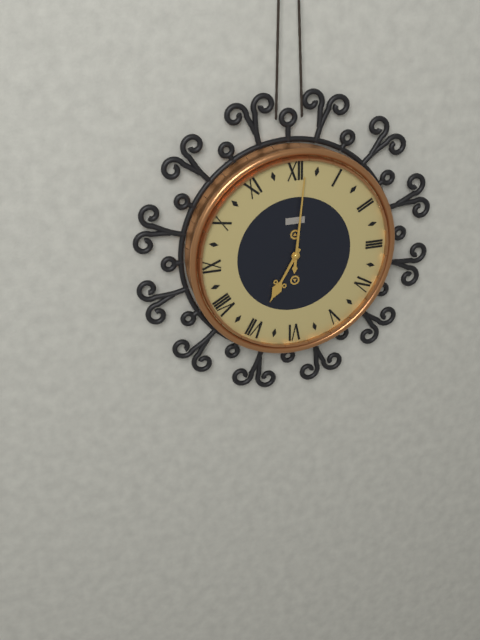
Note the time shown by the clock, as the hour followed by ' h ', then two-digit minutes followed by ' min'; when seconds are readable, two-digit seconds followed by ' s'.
7 h 01 min
